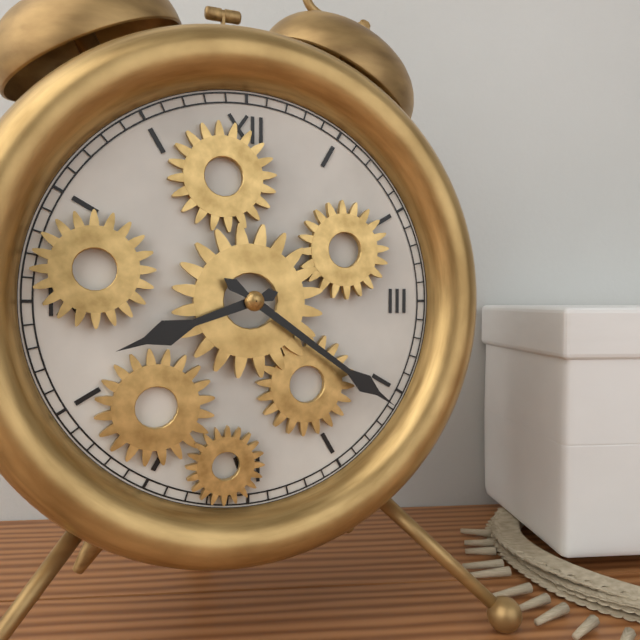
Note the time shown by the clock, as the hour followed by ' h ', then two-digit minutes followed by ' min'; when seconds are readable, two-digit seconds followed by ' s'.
8 h 21 min
